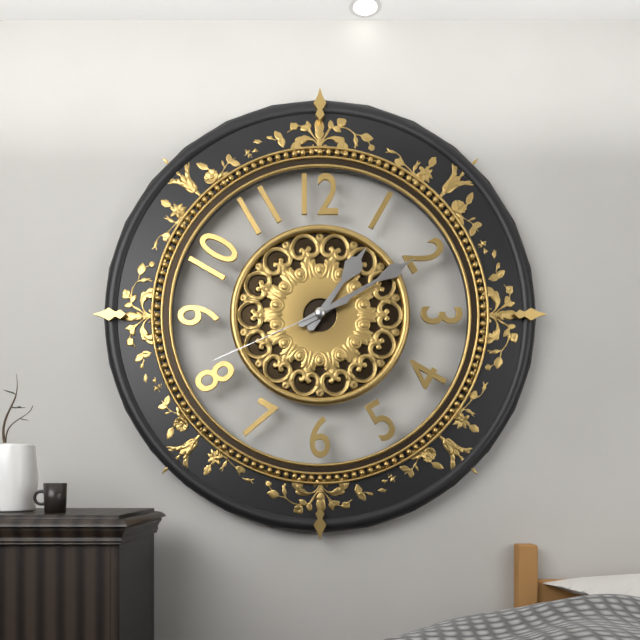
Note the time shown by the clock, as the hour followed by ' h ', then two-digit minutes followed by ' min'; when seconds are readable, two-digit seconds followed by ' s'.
1 h 10 min 41 s
